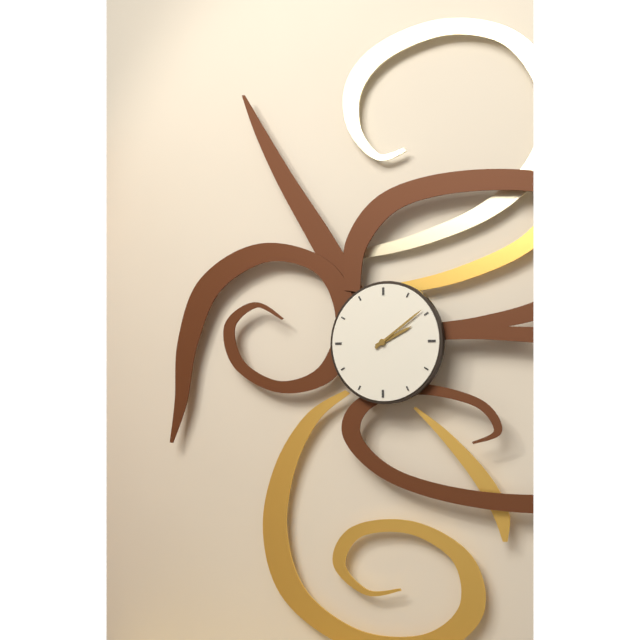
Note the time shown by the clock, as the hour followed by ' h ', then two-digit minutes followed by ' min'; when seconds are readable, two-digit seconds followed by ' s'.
2 h 09 min
